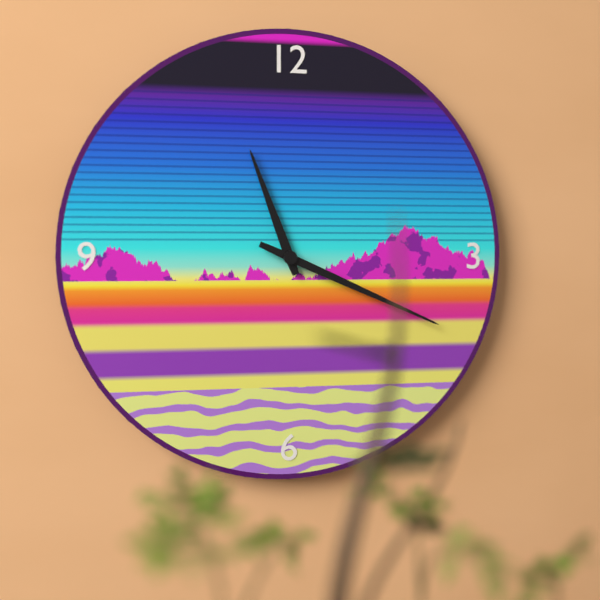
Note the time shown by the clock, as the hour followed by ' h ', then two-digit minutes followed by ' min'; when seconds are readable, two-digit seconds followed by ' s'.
11 h 19 min
